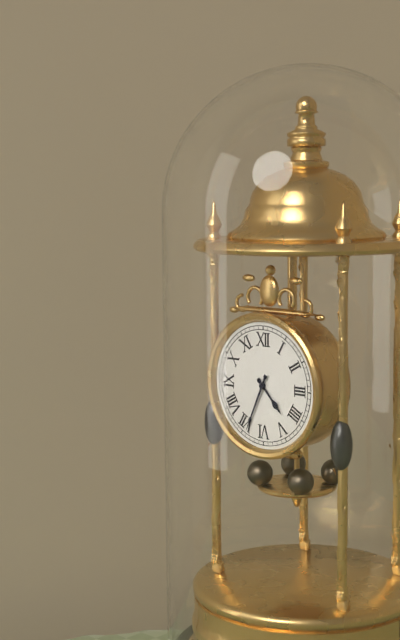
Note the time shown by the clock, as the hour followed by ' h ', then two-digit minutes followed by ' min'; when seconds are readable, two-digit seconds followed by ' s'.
4 h 34 min
